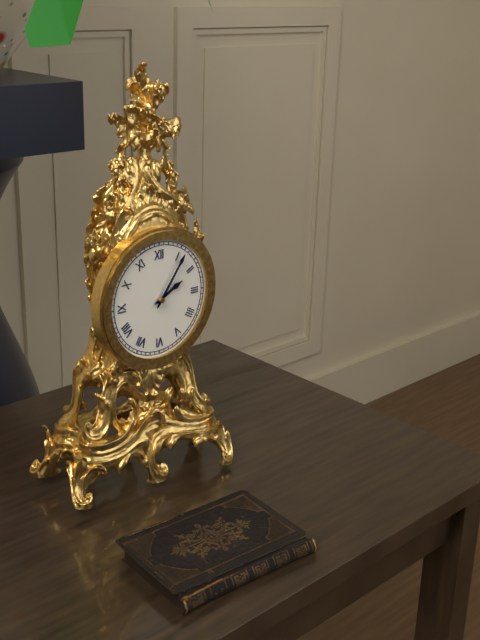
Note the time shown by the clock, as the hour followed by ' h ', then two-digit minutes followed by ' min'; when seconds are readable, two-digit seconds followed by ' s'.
2 h 06 min
